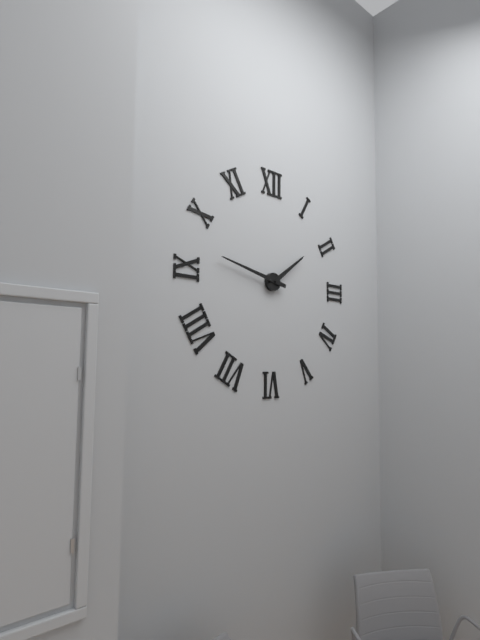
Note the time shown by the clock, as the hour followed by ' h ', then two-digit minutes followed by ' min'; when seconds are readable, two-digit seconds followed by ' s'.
1 h 47 min
